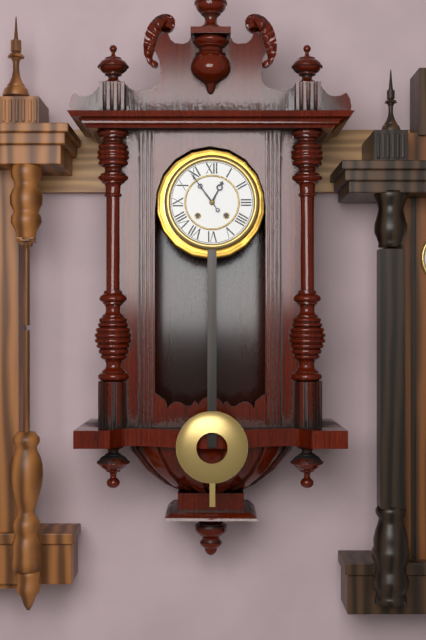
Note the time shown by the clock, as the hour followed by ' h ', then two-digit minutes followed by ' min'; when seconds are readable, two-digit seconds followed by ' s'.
12 h 54 min
